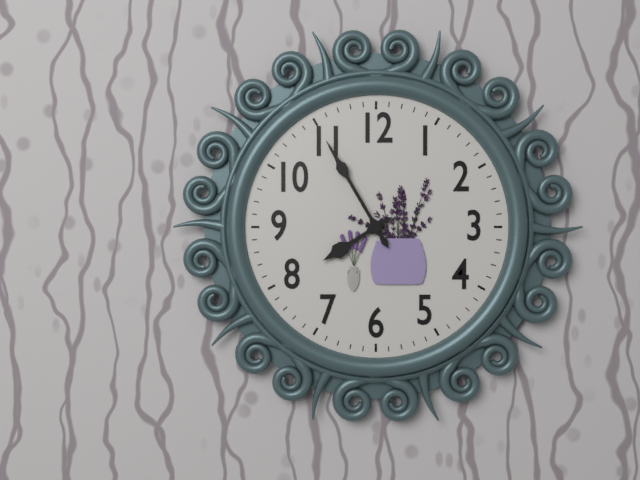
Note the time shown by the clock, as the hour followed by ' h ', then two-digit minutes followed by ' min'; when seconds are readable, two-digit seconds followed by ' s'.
7 h 55 min
